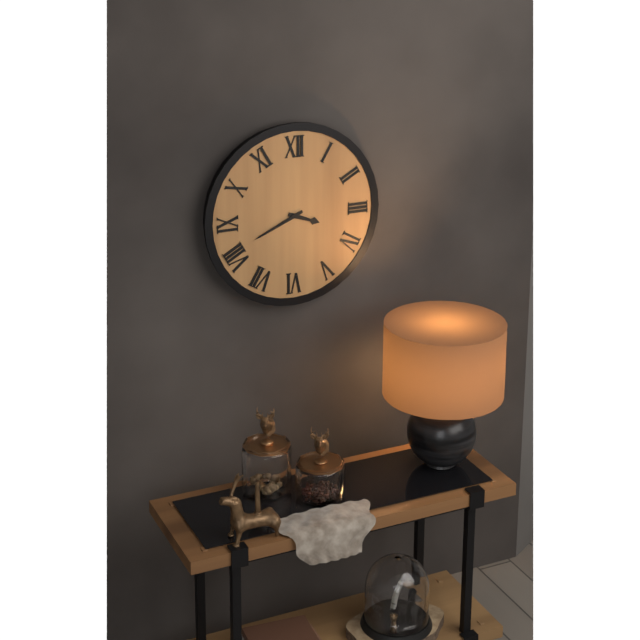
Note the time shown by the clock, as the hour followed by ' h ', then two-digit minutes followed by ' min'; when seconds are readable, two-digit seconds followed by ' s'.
3 h 41 min
